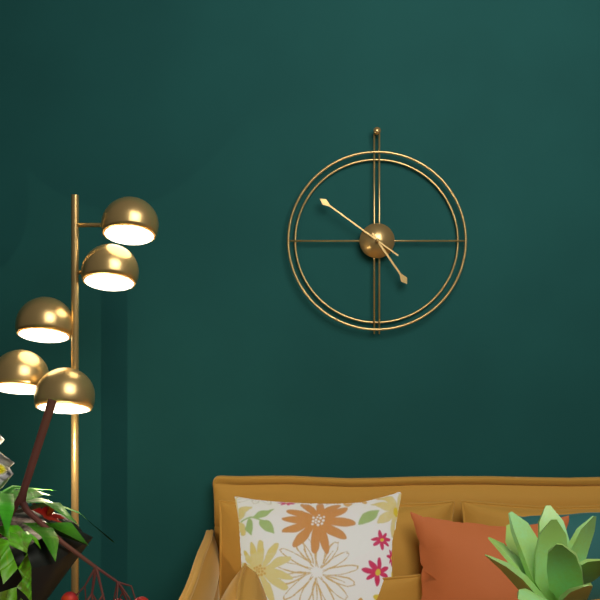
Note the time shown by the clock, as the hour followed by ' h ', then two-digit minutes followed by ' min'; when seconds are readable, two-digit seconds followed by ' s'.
4 h 51 min
